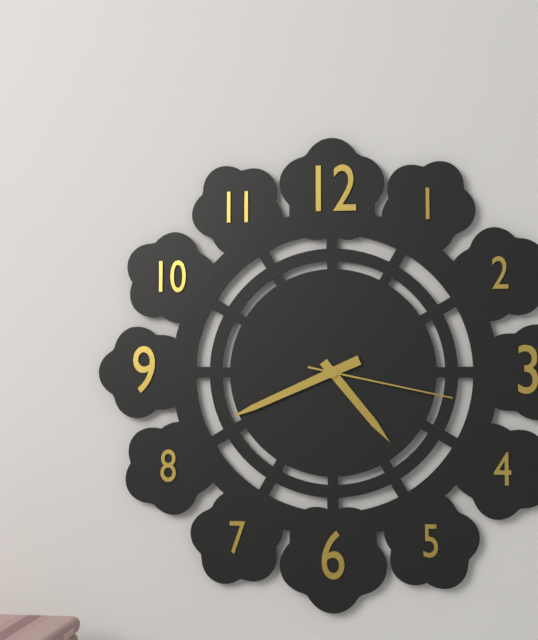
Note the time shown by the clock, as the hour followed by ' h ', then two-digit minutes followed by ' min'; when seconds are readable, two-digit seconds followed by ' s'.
4 h 41 min 17 s
